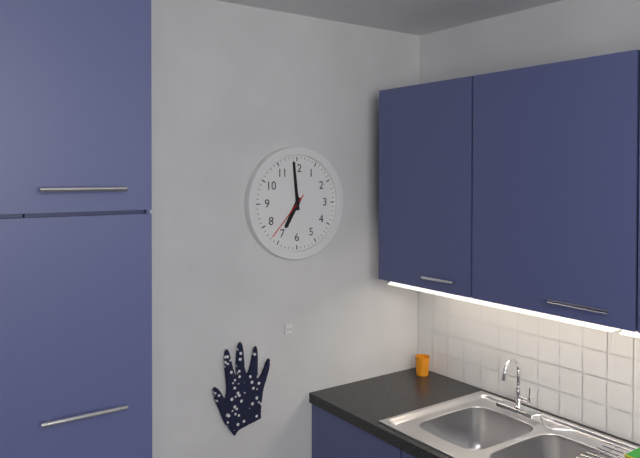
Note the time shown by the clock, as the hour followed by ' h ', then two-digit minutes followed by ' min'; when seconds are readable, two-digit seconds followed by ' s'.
6 h 59 min 37 s
